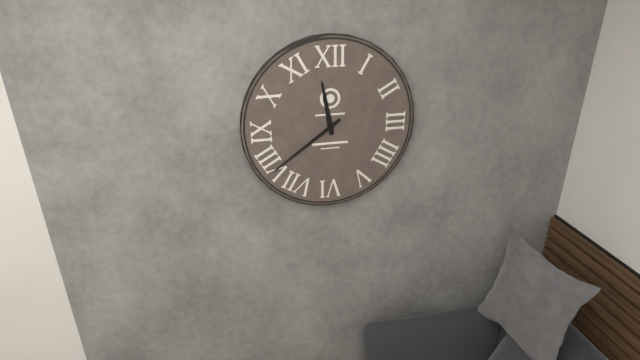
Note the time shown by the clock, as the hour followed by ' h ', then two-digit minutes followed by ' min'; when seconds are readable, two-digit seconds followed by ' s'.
11 h 39 min
